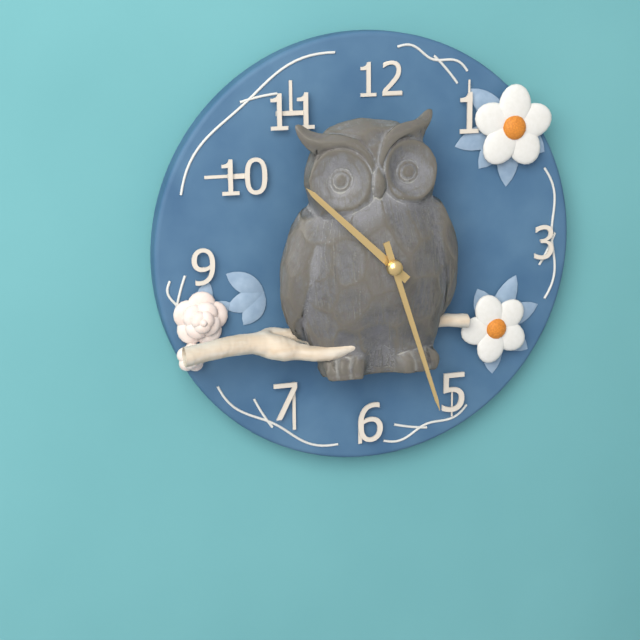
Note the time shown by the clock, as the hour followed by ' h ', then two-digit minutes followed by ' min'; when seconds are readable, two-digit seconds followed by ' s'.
10 h 27 min
